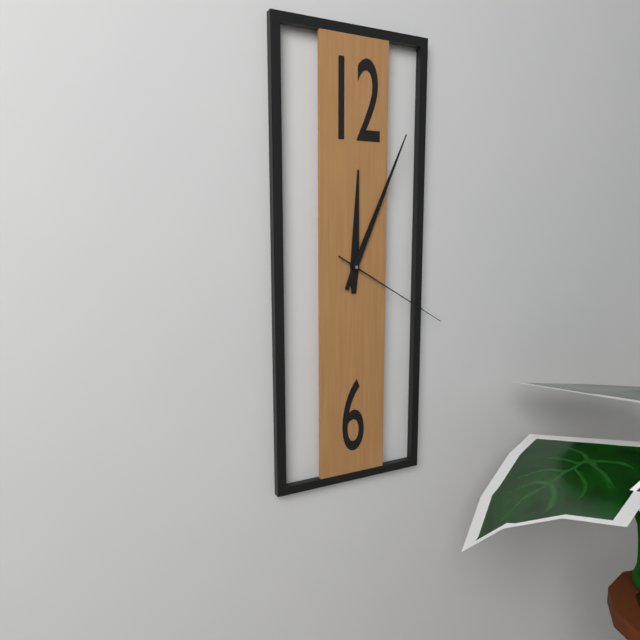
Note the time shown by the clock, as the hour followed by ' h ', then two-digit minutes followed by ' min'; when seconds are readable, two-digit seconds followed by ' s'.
12 h 04 min 20 s
